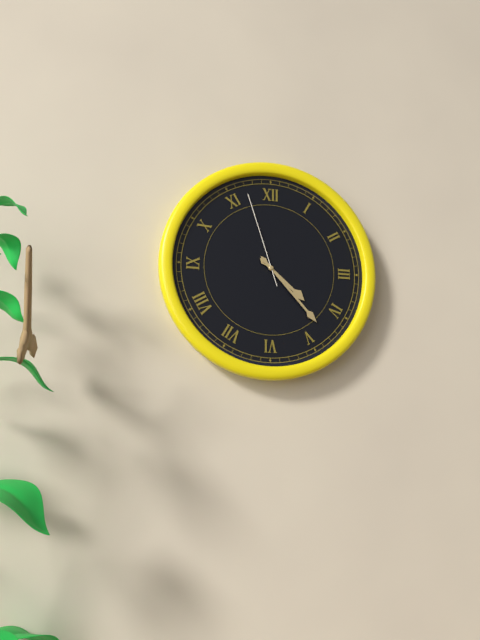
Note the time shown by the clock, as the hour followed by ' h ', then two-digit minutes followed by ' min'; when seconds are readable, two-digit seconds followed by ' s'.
4 h 23 min 57 s
